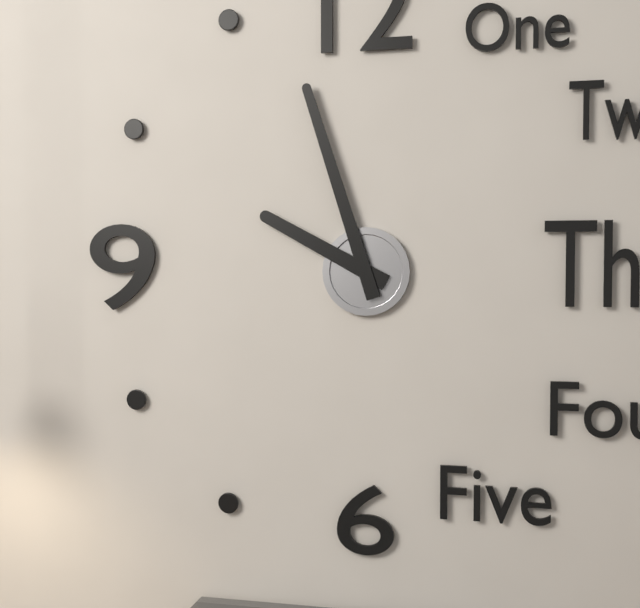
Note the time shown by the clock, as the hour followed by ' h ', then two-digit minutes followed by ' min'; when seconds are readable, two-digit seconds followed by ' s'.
9 h 57 min
